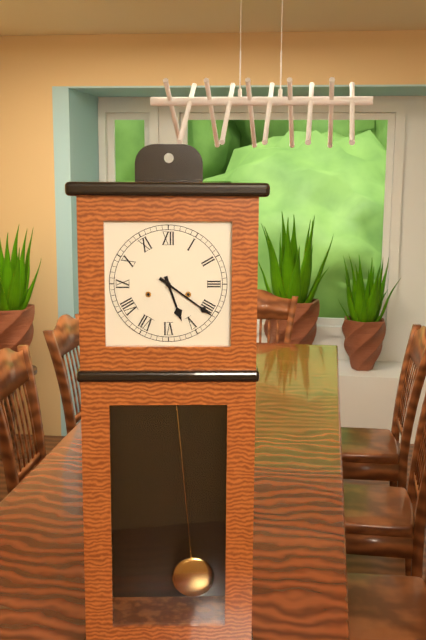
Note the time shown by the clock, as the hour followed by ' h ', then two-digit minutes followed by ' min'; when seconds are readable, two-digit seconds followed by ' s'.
5 h 21 min
